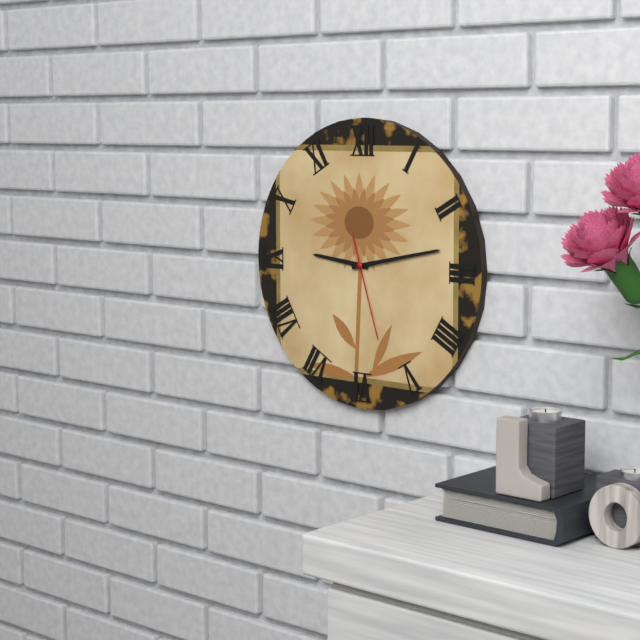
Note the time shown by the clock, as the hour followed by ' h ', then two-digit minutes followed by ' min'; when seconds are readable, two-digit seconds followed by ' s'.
9 h 13 min 27 s
